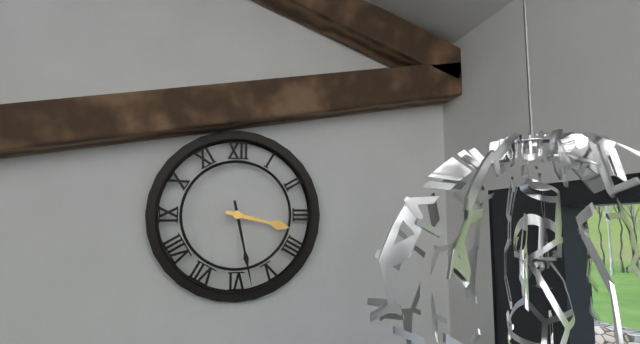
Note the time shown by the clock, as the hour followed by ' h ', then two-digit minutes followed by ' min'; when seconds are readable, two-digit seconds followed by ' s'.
3 h 28 min
